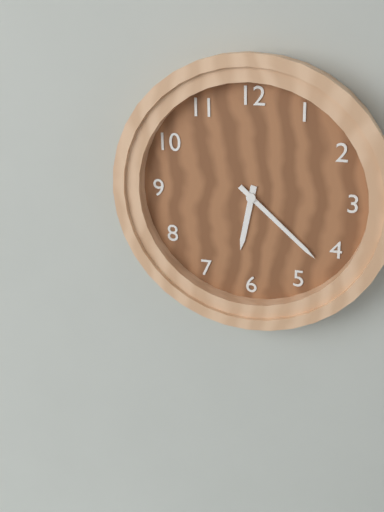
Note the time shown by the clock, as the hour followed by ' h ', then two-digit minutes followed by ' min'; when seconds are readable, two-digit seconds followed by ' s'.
6 h 22 min
